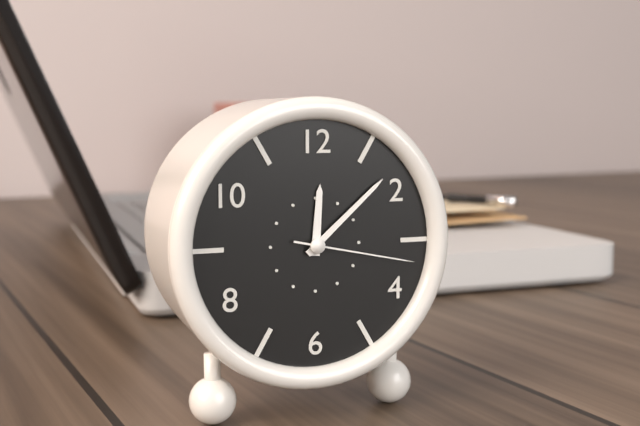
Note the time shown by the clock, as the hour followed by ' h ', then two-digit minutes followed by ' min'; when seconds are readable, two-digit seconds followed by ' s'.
12 h 08 min 17 s
